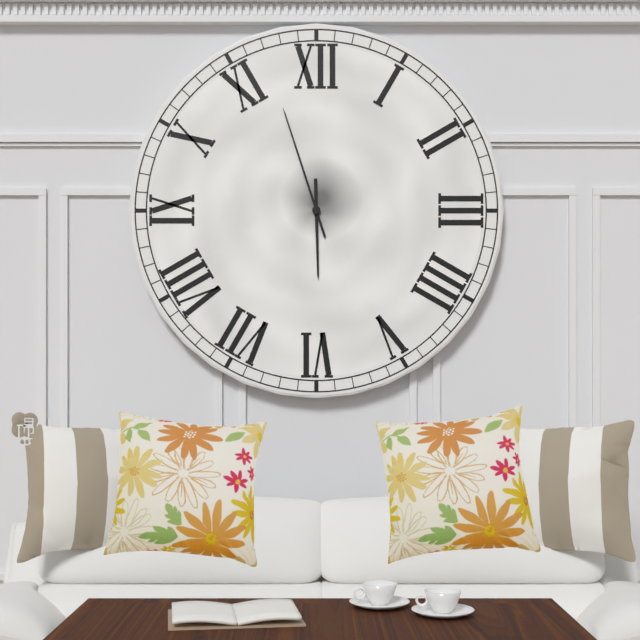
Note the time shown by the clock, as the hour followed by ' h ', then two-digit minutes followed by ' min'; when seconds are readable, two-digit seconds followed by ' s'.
5 h 57 min
